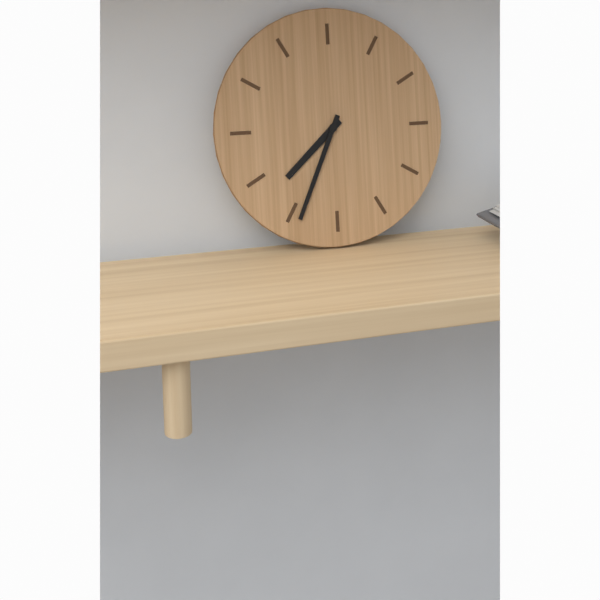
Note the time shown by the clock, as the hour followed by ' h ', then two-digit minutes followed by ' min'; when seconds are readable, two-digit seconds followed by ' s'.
7 h 34 min
